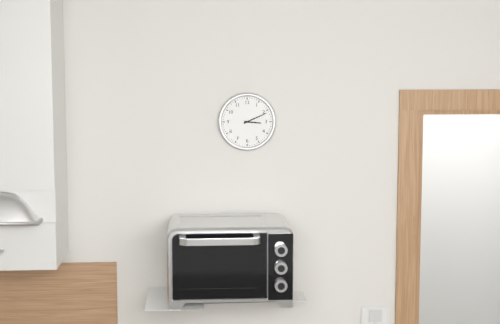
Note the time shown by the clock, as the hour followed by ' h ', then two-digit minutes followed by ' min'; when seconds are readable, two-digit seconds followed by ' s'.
3 h 11 min
